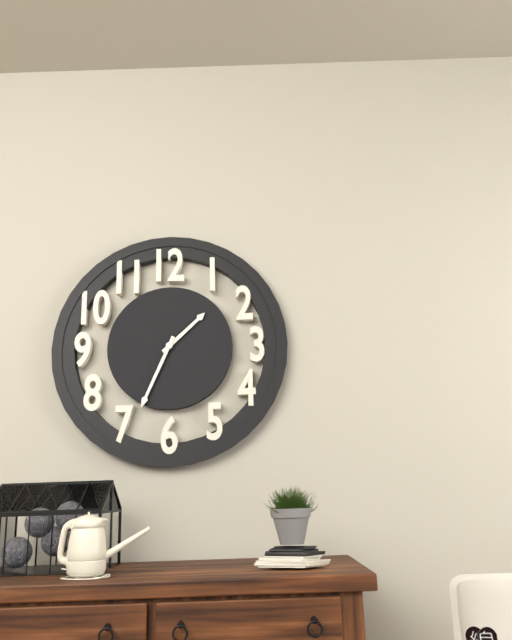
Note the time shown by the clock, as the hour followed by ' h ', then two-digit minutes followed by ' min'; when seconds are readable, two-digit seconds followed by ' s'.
1 h 34 min
